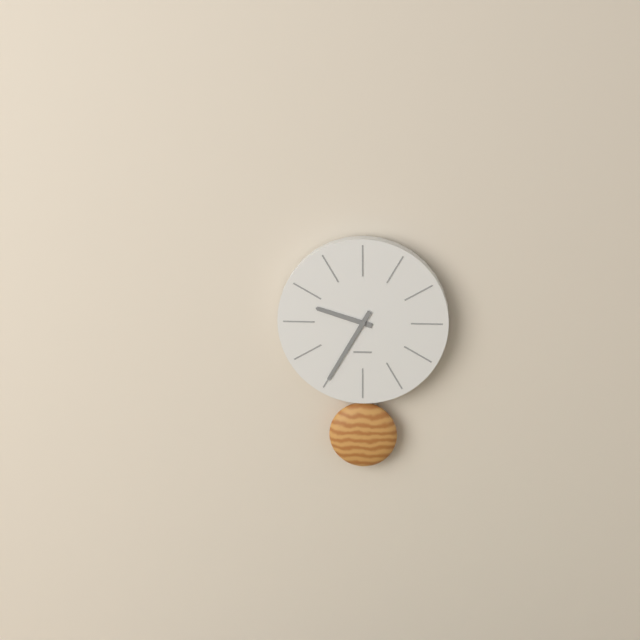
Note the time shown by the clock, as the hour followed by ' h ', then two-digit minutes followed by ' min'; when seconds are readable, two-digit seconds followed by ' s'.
9 h 35 min
